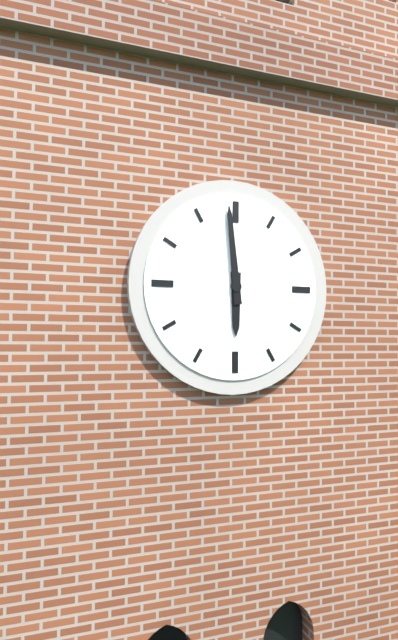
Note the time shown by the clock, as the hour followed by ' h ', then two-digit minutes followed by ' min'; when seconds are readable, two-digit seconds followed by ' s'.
5 h 59 min
